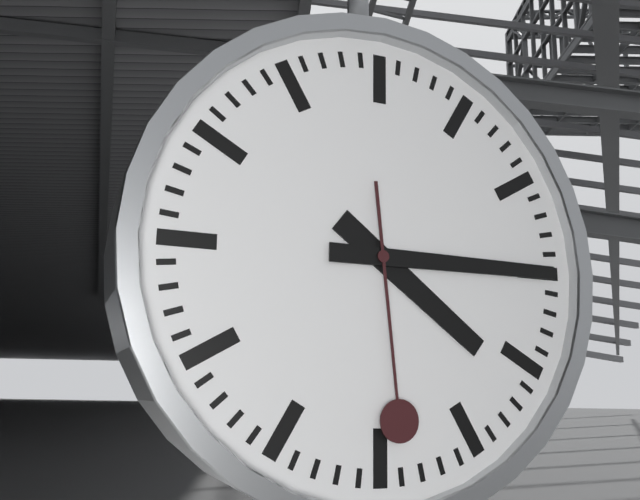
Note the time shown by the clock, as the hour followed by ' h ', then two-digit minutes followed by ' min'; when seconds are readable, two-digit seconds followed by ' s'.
4 h 15 min 29 s
